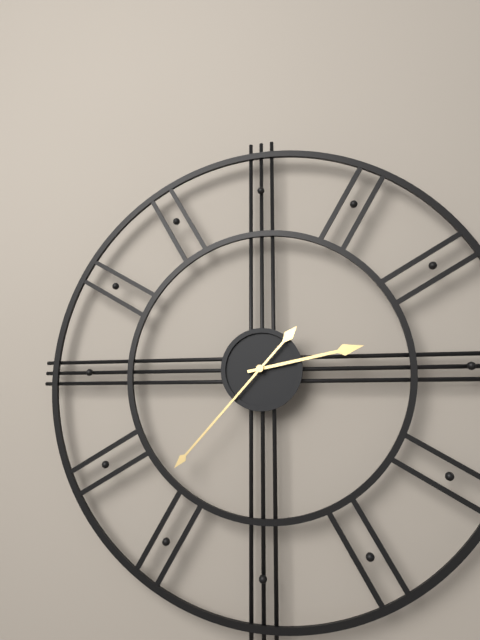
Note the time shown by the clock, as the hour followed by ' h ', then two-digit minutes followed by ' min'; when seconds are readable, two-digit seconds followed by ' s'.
2 h 37 min
